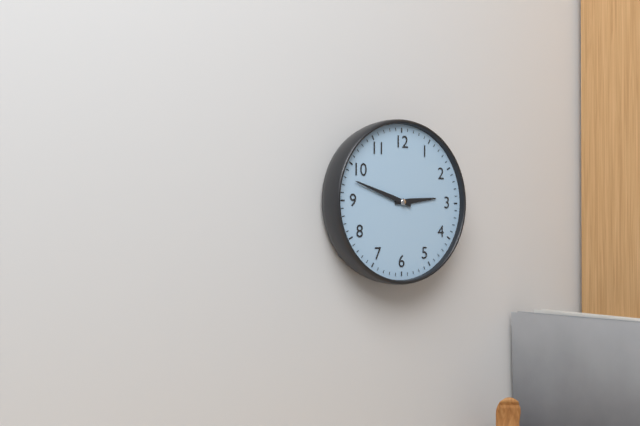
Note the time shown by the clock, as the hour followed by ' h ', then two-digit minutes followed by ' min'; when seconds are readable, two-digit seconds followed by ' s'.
2 h 48 min
